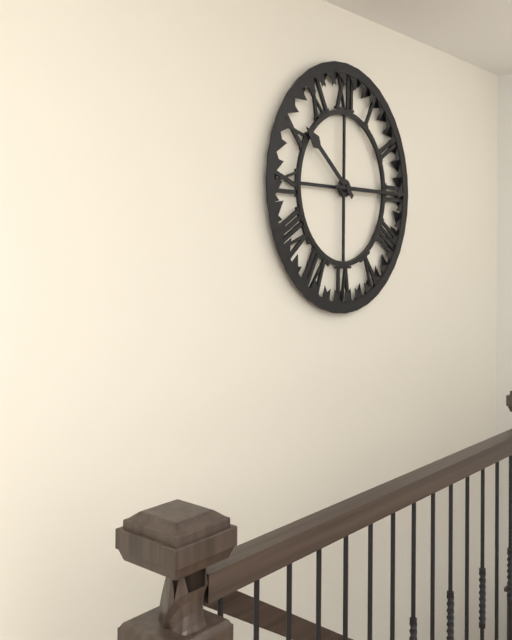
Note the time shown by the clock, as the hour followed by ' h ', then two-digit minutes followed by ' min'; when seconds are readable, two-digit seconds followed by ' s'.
10 h 15 min
